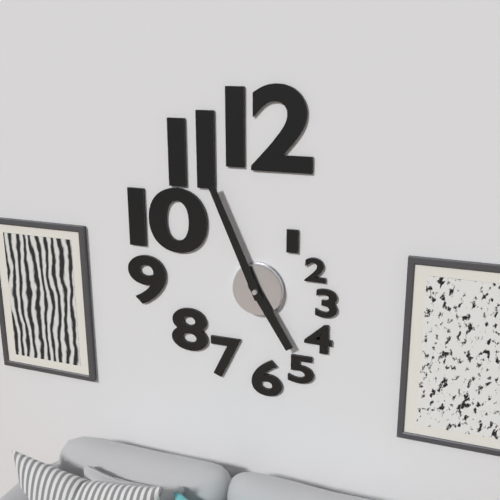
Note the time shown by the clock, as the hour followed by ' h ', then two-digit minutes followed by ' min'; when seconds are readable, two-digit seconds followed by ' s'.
4 h 56 min
